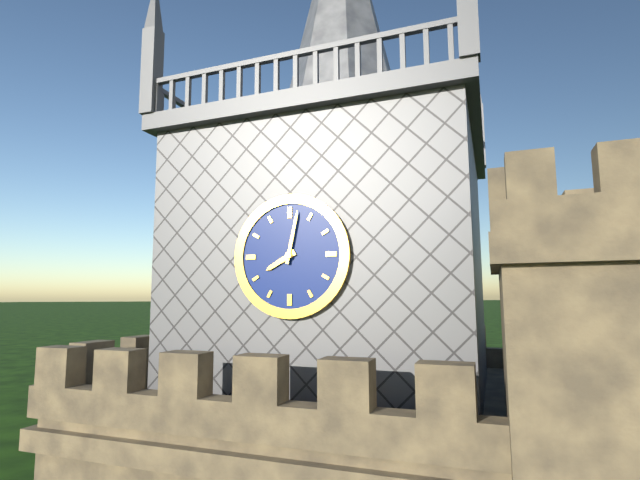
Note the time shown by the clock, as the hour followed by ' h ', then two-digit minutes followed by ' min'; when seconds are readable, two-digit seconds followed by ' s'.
8 h 02 min
